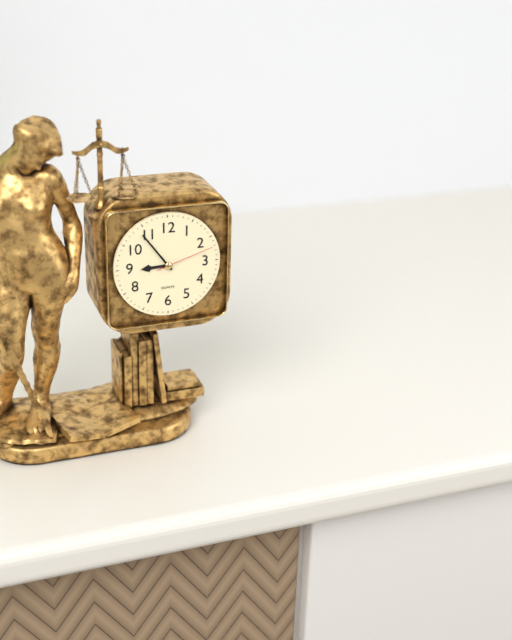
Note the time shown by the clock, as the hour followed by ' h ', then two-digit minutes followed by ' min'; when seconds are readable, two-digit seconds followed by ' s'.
8 h 54 min 12 s
